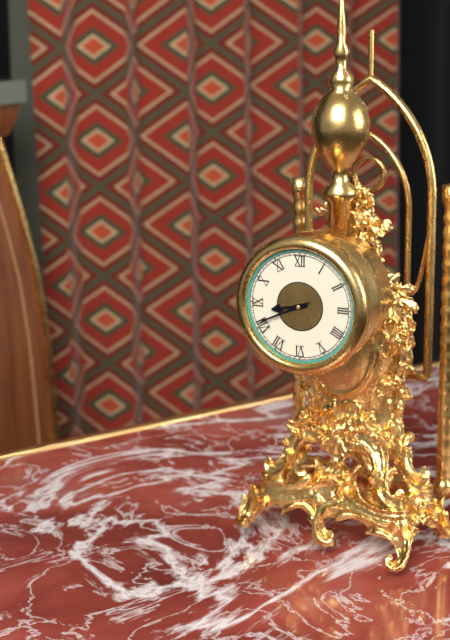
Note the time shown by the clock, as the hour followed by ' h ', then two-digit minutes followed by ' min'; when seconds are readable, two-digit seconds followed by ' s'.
8 h 41 min
